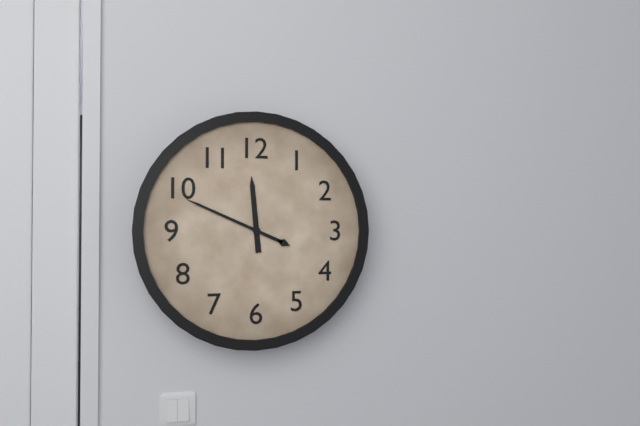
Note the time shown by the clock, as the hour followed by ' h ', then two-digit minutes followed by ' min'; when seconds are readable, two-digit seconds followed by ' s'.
11 h 49 min
